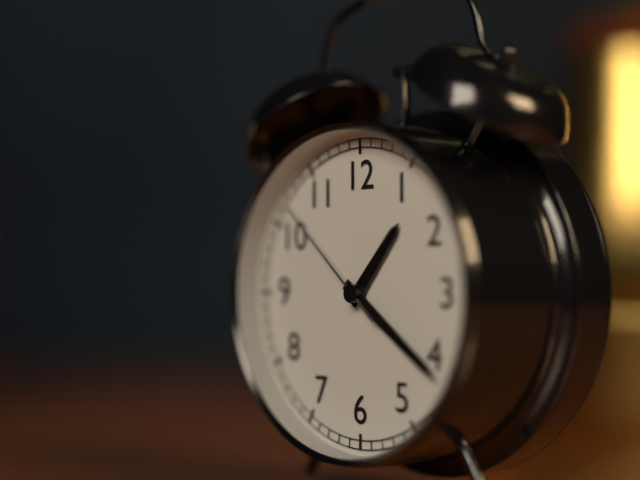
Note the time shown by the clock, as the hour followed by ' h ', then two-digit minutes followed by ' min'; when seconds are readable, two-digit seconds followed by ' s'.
1 h 21 min 52 s
